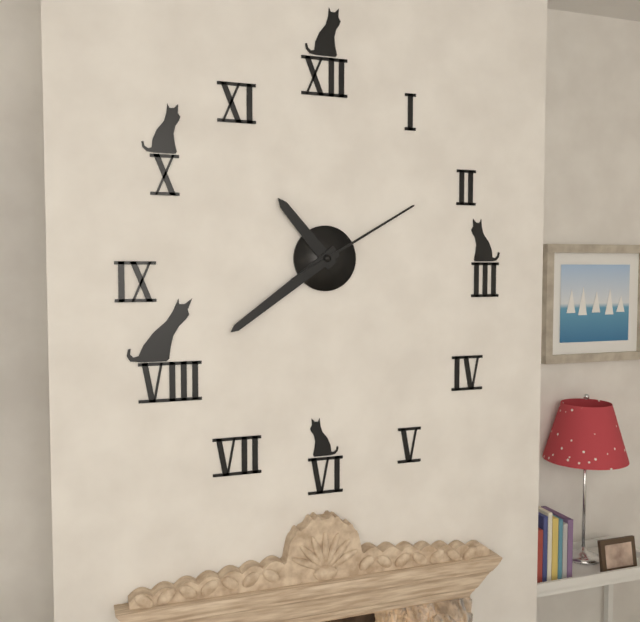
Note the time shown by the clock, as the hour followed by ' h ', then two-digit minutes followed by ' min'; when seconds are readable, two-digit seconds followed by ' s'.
10 h 39 min 10 s
